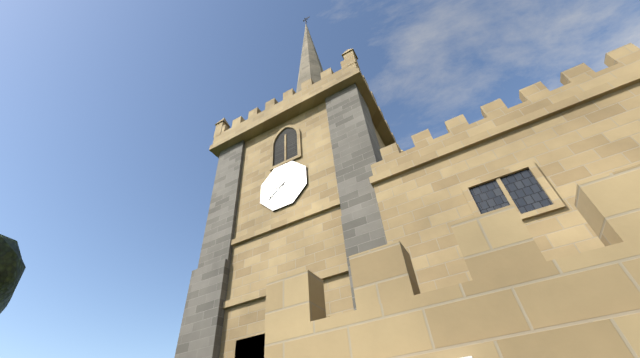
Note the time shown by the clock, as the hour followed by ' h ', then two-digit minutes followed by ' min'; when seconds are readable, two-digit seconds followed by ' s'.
8 h 39 min
